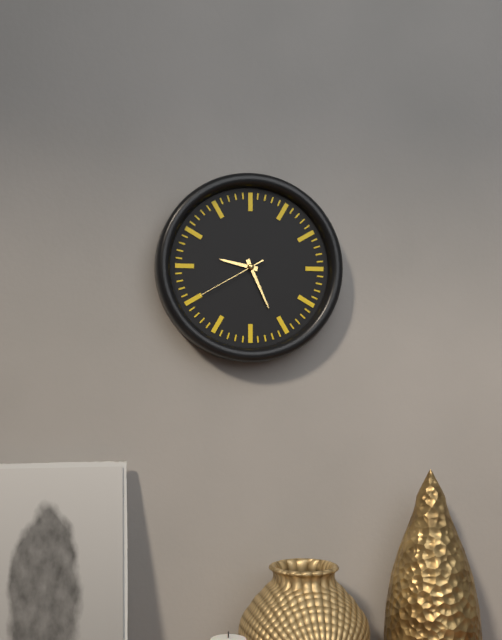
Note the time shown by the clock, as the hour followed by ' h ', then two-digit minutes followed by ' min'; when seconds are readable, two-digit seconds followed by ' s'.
9 h 26 min 40 s
